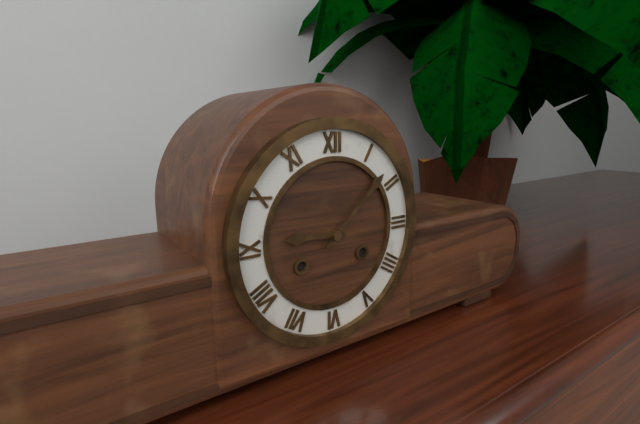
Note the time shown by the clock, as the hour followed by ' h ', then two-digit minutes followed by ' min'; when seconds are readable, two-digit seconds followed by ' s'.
9 h 08 min
